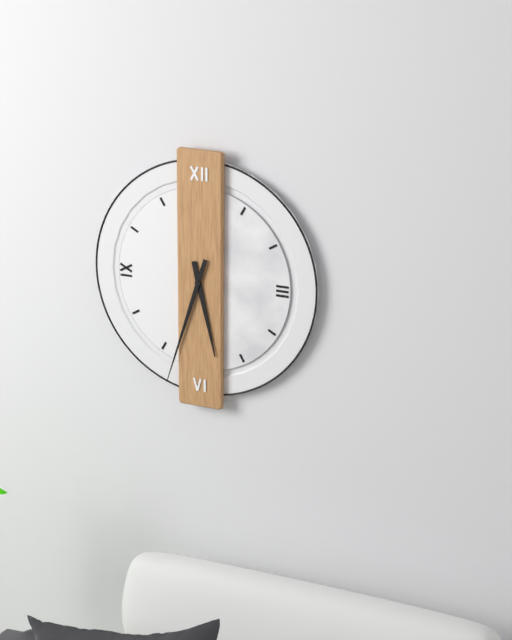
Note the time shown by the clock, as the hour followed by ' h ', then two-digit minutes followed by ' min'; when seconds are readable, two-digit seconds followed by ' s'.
5 h 33 min
